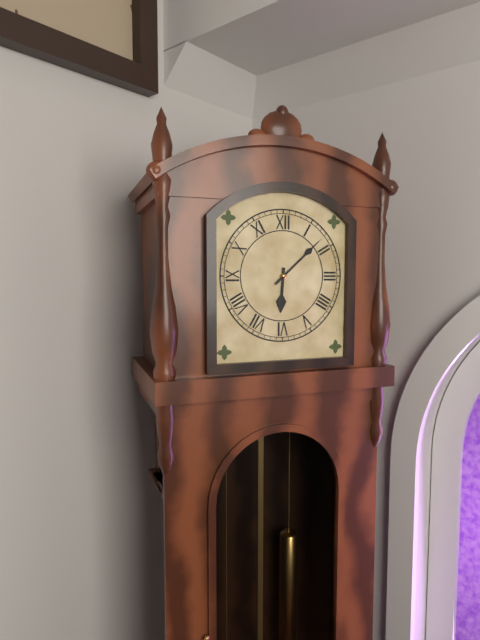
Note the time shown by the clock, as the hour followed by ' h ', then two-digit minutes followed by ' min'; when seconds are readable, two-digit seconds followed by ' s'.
6 h 08 min
